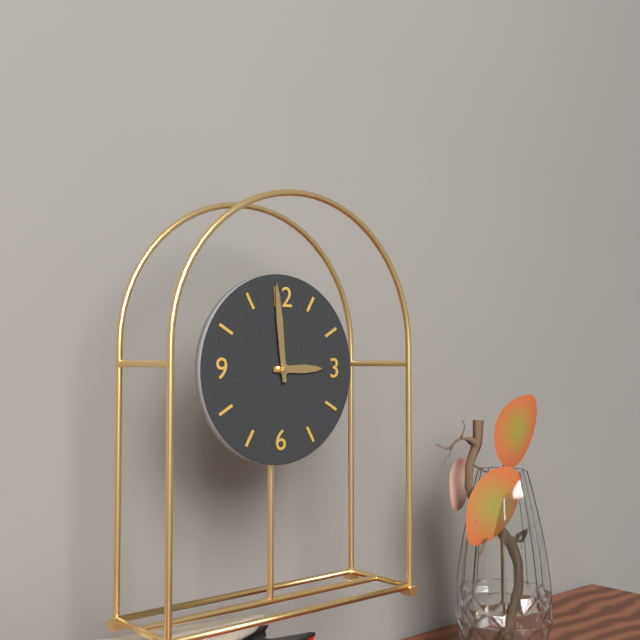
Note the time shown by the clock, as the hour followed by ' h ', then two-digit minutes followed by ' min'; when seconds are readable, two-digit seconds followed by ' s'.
2 h 59 min
